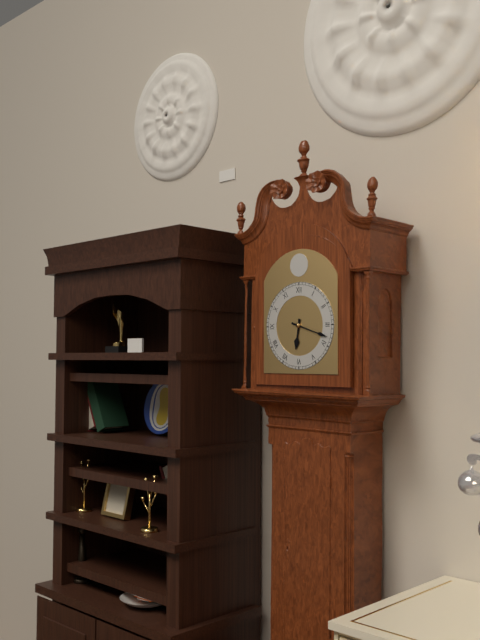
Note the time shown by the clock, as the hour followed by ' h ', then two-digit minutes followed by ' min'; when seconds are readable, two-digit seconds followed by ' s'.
6 h 18 min
